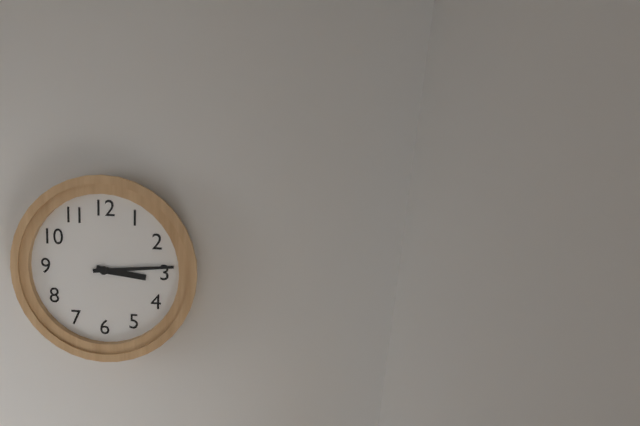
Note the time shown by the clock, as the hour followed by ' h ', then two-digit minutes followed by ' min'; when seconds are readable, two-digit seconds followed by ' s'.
3 h 14 min
